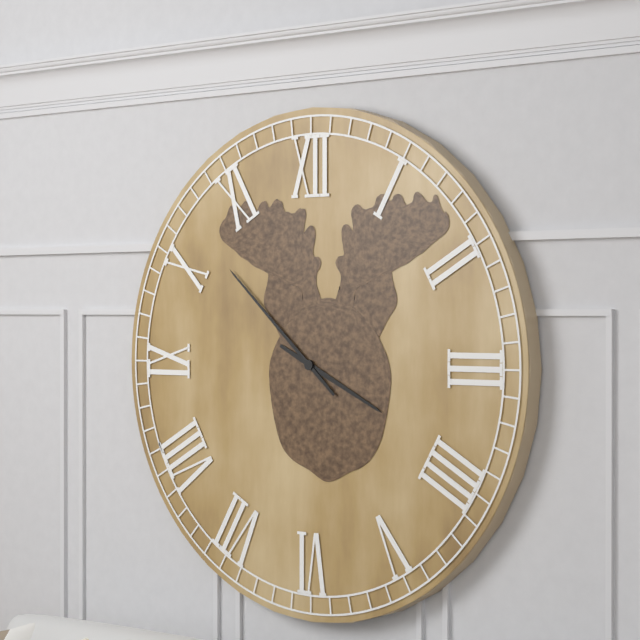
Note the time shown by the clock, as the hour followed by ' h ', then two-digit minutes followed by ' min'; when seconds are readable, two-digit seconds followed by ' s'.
3 h 52 min
